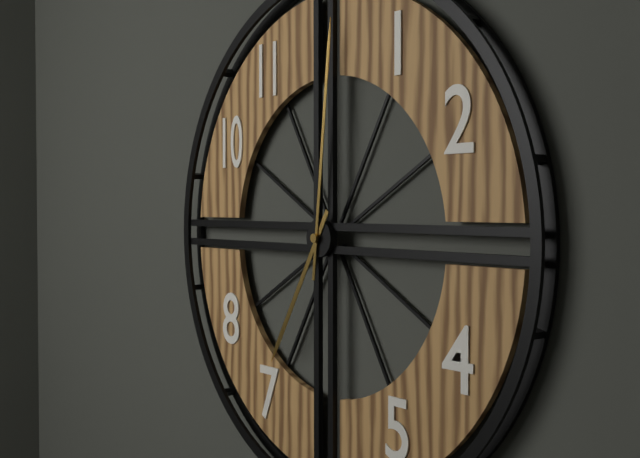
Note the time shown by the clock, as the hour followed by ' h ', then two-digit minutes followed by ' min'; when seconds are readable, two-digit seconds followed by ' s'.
7 h 01 min
